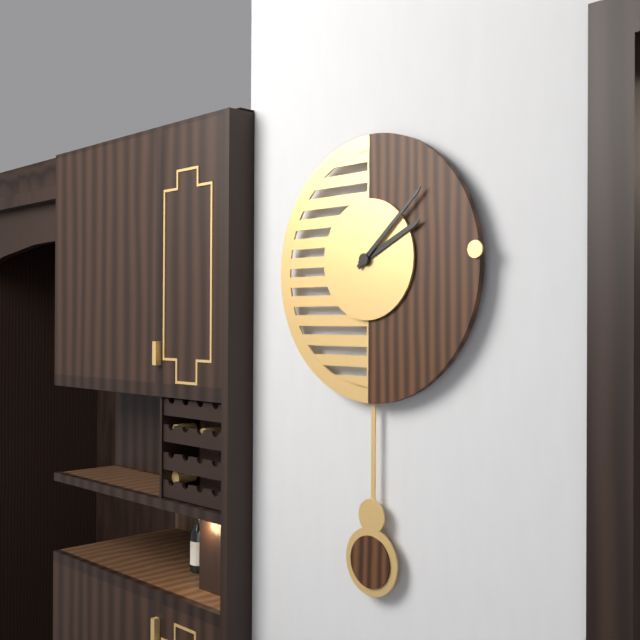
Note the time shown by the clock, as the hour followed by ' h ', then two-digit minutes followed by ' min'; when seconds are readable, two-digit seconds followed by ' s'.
2 h 08 min
